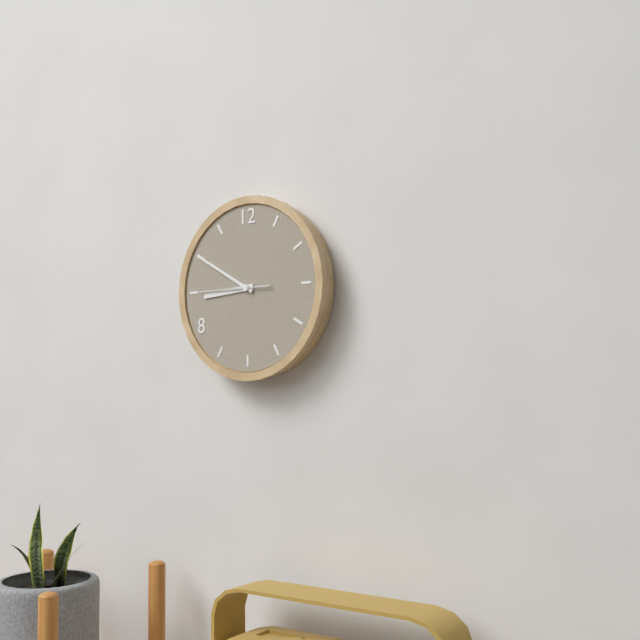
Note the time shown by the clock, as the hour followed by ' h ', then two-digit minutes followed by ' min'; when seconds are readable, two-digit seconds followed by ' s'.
8 h 50 min 45 s
